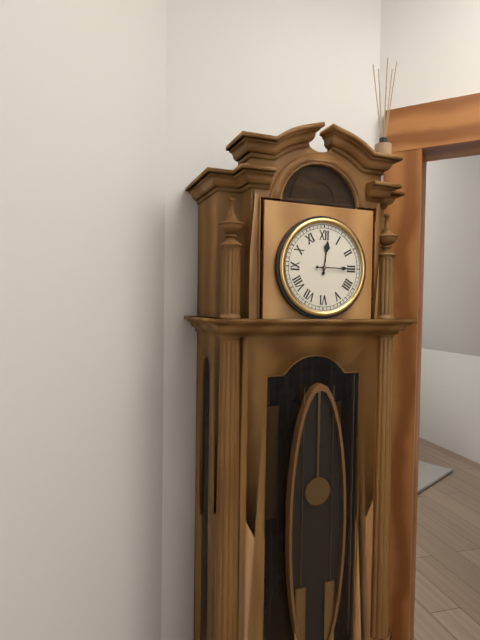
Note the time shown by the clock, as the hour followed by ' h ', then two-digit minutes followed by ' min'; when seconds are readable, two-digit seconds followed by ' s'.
12 h 15 min
